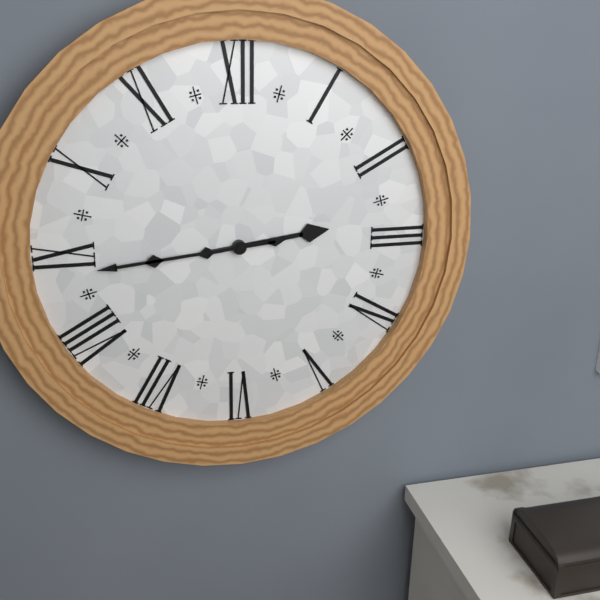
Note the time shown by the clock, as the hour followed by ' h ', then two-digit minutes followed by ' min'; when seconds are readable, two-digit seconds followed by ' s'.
2 h 44 min
